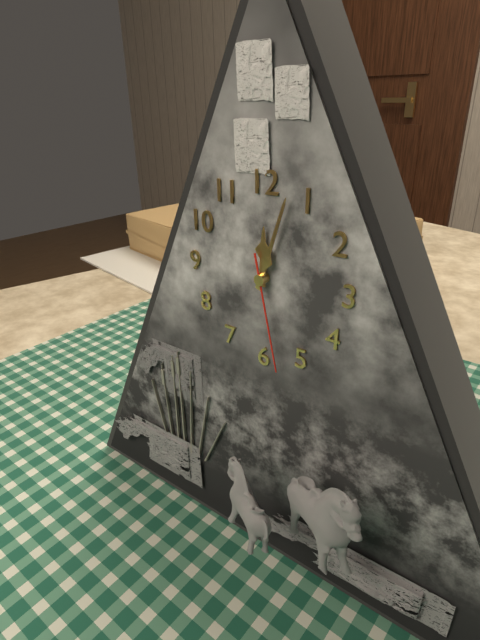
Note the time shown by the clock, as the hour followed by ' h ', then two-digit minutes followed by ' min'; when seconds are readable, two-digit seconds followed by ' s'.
12 h 03 min 28 s
